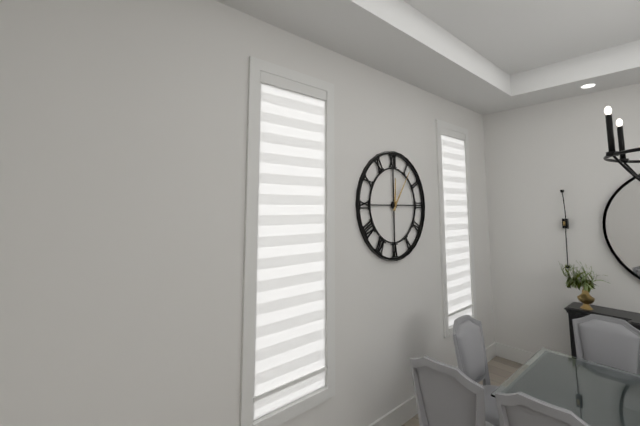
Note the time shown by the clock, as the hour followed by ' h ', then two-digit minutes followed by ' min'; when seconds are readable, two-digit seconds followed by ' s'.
12 h 06 min
